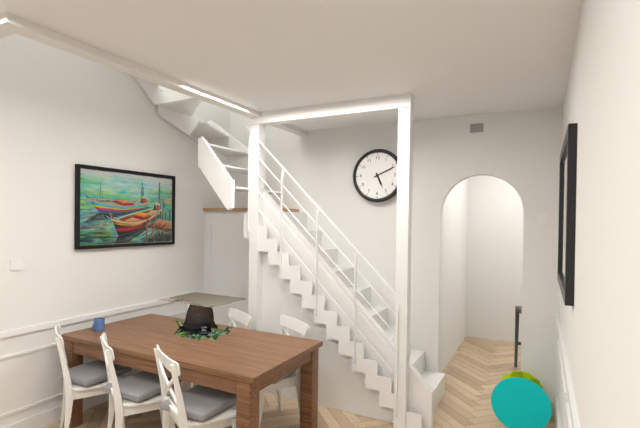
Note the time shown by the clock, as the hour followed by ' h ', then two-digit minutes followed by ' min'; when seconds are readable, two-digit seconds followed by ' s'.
5 h 11 min
